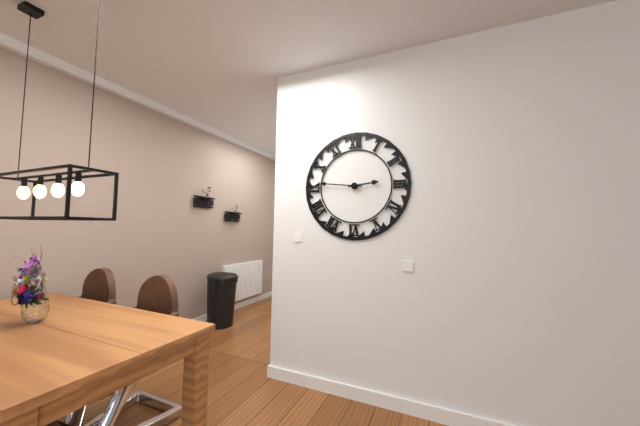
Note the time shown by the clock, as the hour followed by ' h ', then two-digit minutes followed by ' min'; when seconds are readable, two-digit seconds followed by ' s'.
2 h 46 min
